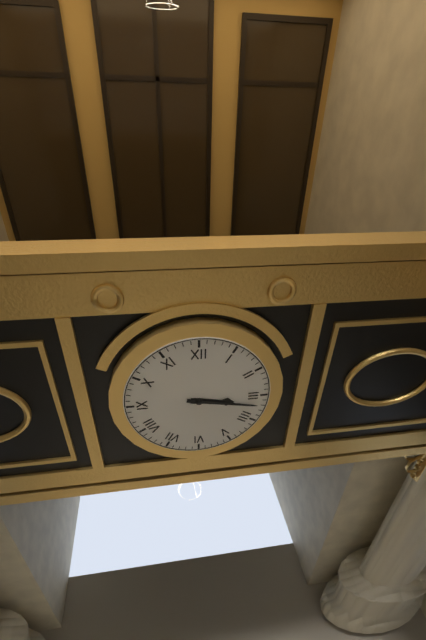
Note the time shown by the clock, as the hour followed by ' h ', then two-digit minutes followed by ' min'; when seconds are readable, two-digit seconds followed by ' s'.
3 h 17 min
